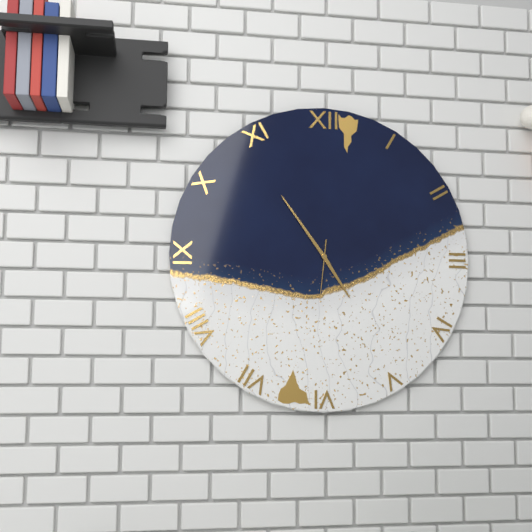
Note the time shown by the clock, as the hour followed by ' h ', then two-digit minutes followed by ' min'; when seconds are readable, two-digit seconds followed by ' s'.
4 h 54 min 31 s
